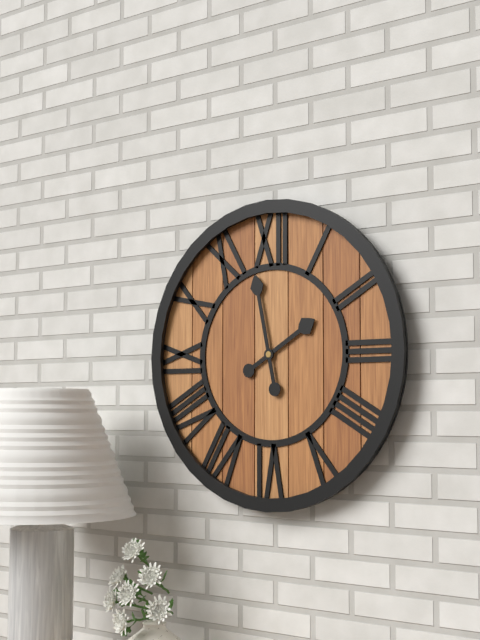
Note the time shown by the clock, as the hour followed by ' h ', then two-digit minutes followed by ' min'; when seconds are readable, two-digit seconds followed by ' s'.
1 h 58 min
